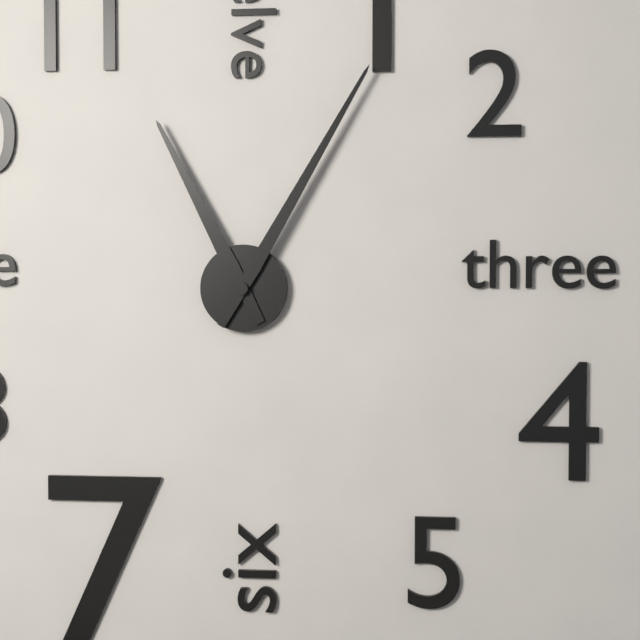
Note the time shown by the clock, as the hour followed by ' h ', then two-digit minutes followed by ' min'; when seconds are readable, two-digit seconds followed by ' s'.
11 h 05 min
